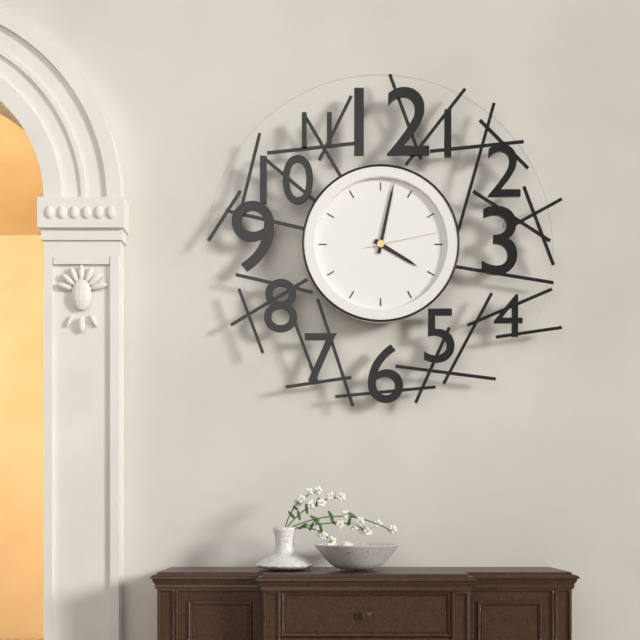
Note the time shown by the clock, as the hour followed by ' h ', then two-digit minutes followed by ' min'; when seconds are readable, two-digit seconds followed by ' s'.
4 h 02 min 13 s
